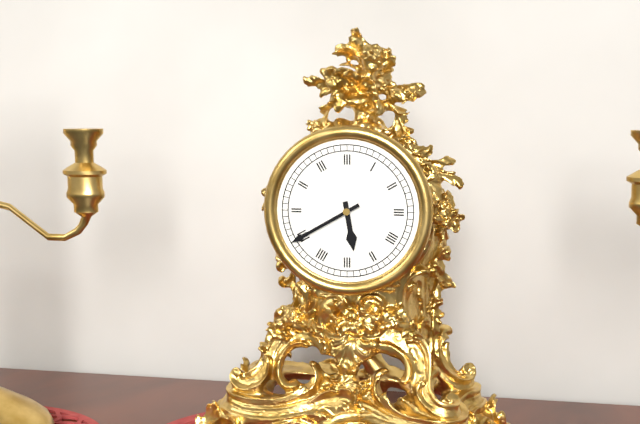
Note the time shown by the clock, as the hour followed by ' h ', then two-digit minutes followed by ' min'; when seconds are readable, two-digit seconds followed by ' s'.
5 h 40 min
